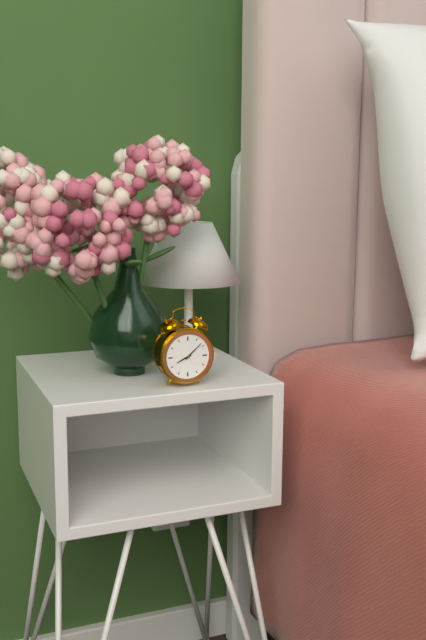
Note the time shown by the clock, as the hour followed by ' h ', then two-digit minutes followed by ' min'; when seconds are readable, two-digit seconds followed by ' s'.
8 h 08 min
